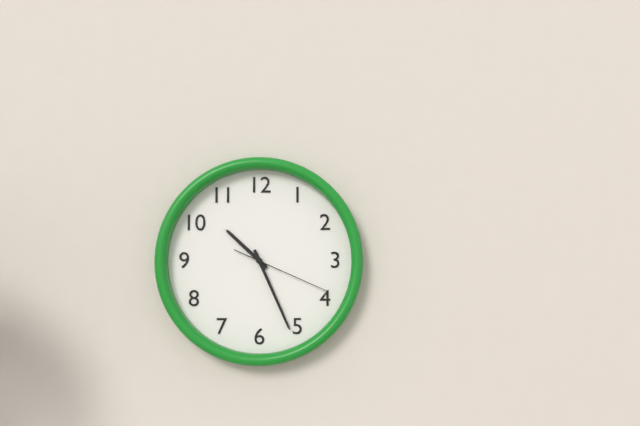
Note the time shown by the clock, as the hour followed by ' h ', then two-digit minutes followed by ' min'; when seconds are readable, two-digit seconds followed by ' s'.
10 h 26 min 19 s
